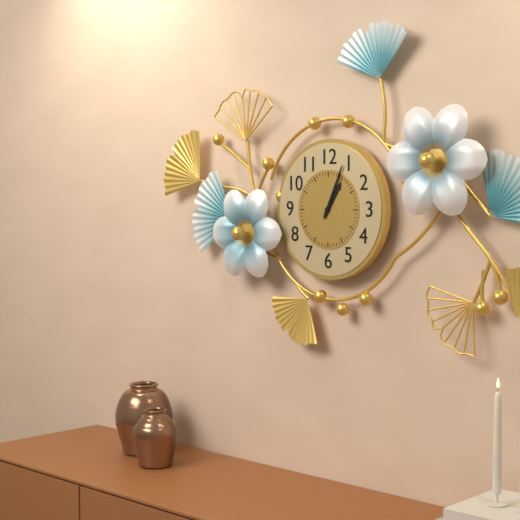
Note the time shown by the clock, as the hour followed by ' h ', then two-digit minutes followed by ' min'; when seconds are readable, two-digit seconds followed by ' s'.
1 h 04 min
